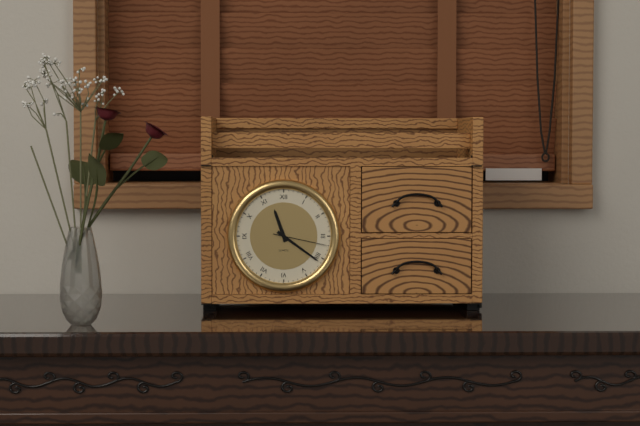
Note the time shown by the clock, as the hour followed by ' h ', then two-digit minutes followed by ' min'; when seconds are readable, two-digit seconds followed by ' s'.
11 h 21 min 17 s
